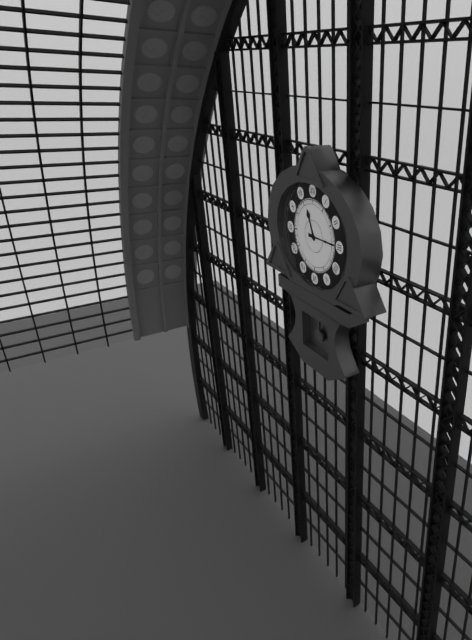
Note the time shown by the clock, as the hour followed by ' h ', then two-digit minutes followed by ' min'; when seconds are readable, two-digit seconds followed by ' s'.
11 h 15 min
